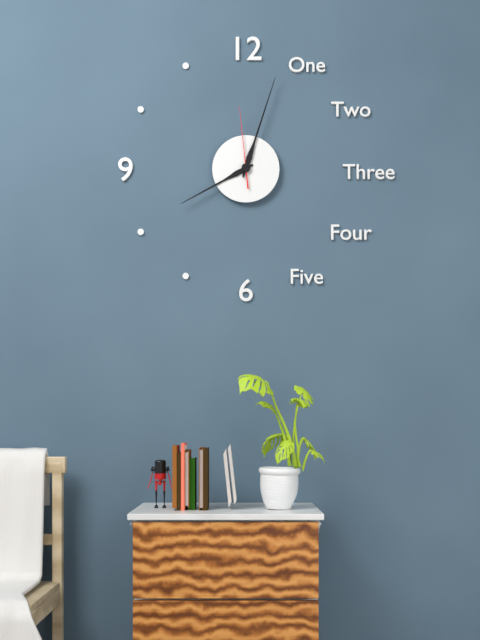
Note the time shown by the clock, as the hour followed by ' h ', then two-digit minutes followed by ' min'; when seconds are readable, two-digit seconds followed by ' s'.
8 h 03 min 59 s
